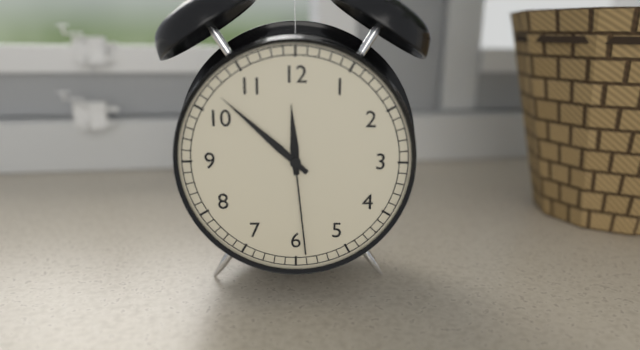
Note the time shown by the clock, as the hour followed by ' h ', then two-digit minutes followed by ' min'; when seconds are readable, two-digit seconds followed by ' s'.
11 h 52 min 29 s
